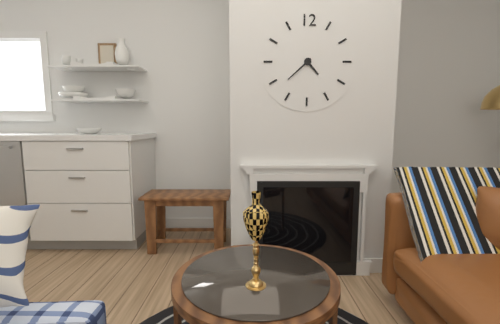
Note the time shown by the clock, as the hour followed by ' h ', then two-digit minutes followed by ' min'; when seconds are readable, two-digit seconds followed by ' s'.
4 h 38 min
